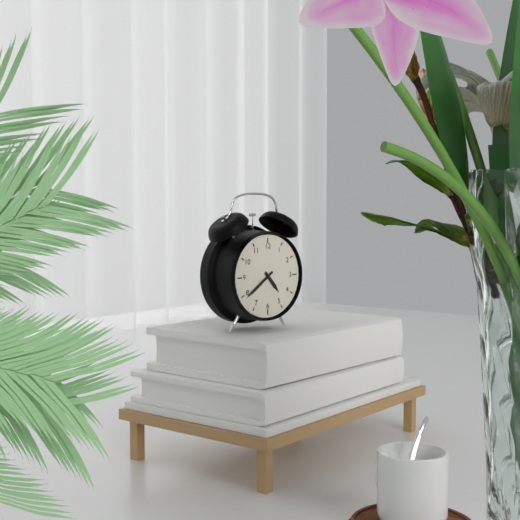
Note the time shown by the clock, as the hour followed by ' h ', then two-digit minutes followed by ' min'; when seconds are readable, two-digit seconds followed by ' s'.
4 h 39 min
